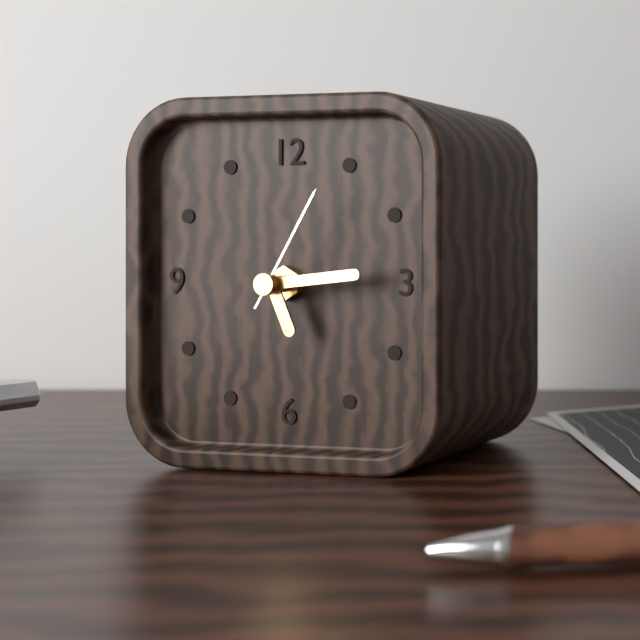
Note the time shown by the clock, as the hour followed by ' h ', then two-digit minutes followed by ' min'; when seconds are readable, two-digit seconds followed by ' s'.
5 h 14 min 05 s
